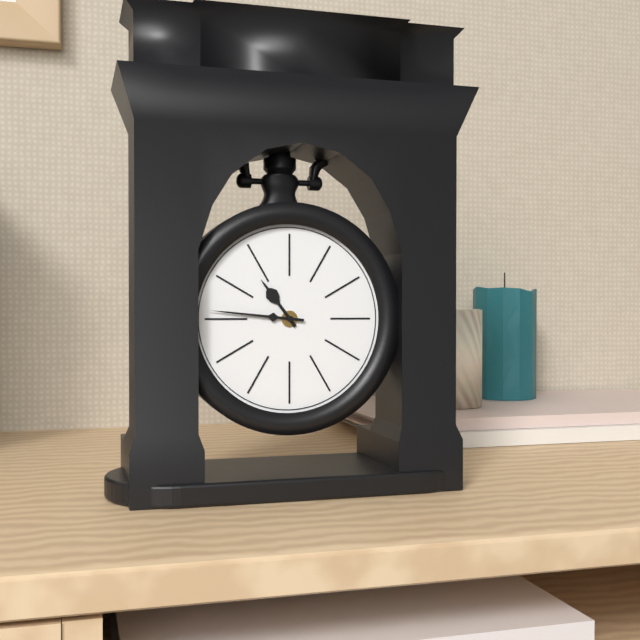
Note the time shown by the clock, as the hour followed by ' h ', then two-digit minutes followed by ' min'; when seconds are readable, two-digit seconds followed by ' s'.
10 h 46 min
